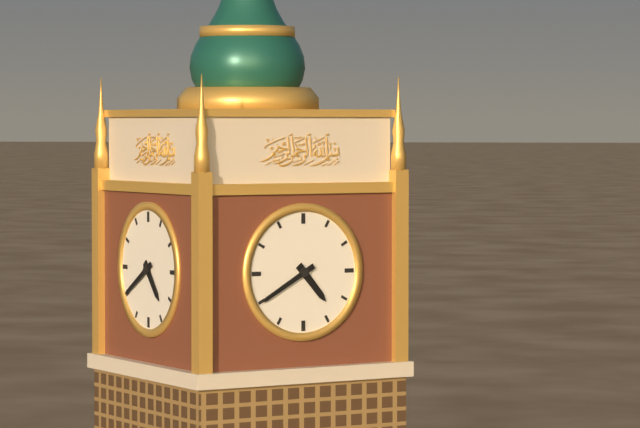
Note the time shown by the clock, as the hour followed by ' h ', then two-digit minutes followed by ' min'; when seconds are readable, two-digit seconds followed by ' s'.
4 h 40 min
